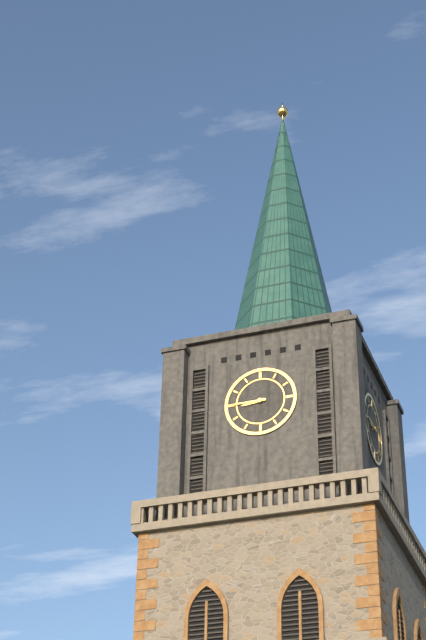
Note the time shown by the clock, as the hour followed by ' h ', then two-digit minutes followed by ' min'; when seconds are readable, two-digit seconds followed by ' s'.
8 h 45 min
